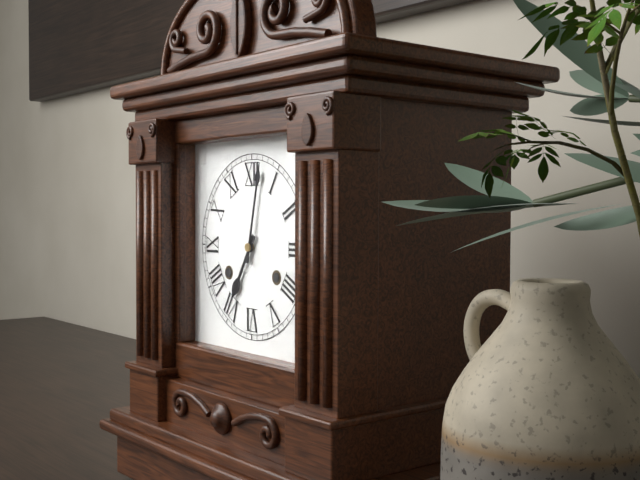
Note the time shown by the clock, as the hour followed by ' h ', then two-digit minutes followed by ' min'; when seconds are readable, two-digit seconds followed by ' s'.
7 h 02 min
